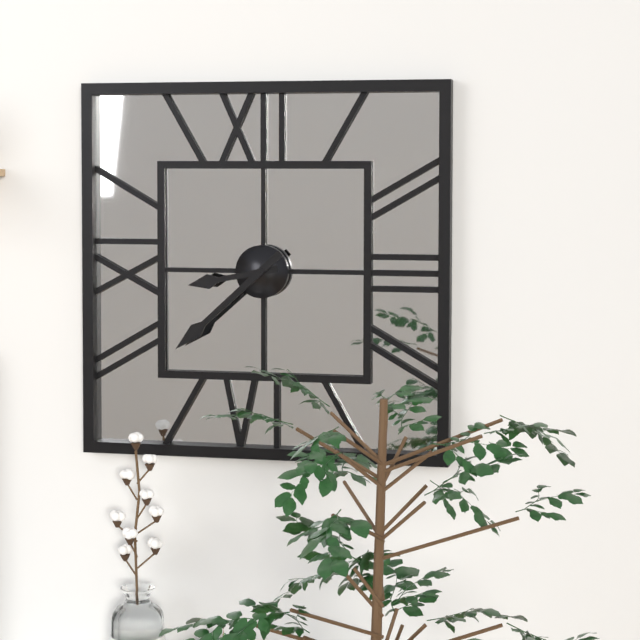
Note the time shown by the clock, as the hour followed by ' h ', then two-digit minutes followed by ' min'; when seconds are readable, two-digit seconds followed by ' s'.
8 h 38 min
